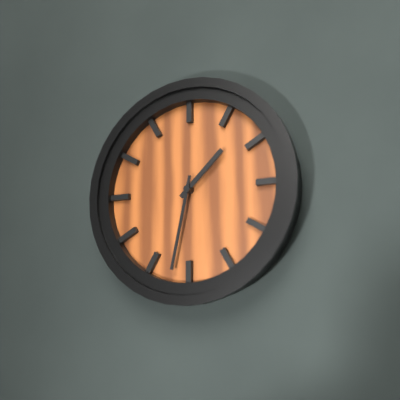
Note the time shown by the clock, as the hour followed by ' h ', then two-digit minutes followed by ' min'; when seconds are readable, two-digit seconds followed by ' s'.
1 h 32 min
